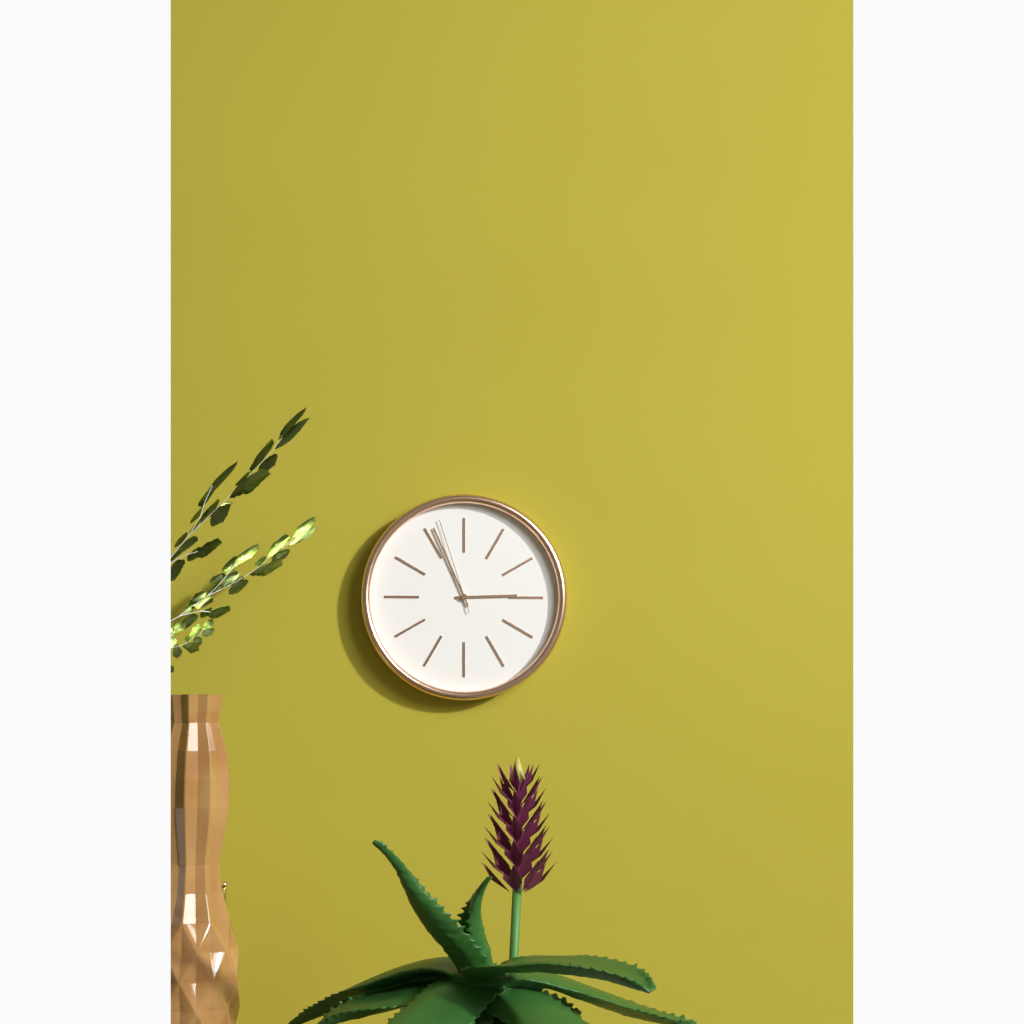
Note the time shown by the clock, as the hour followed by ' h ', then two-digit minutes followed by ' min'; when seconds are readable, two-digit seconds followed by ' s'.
2 h 56 min 57 s
